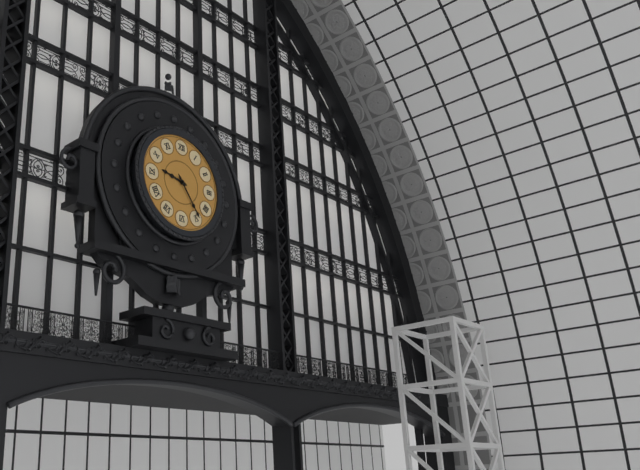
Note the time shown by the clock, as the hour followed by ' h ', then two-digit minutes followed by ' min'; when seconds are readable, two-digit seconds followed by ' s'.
9 h 24 min
